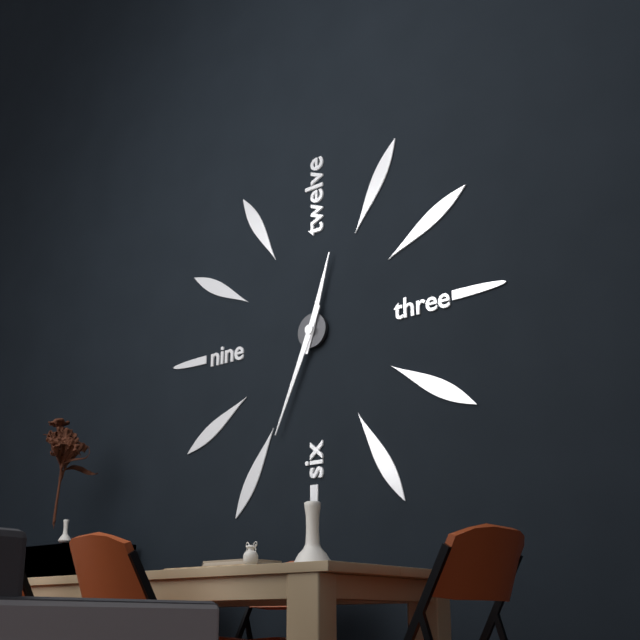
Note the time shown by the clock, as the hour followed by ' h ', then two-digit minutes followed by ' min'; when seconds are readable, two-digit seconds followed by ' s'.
12 h 34 min
